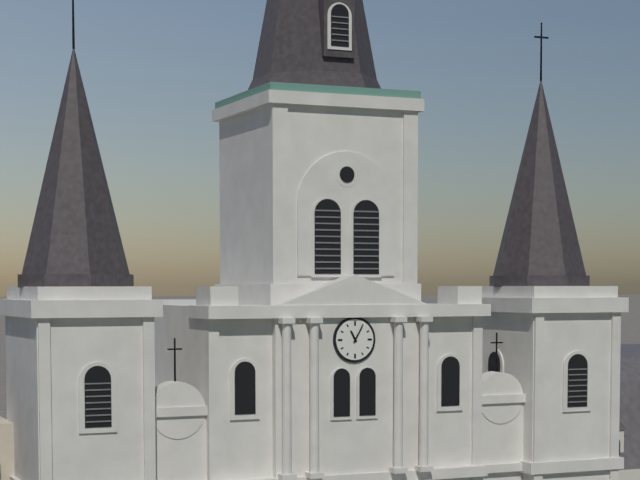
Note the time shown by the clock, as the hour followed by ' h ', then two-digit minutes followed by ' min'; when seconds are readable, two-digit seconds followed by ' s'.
11 h 05 min
